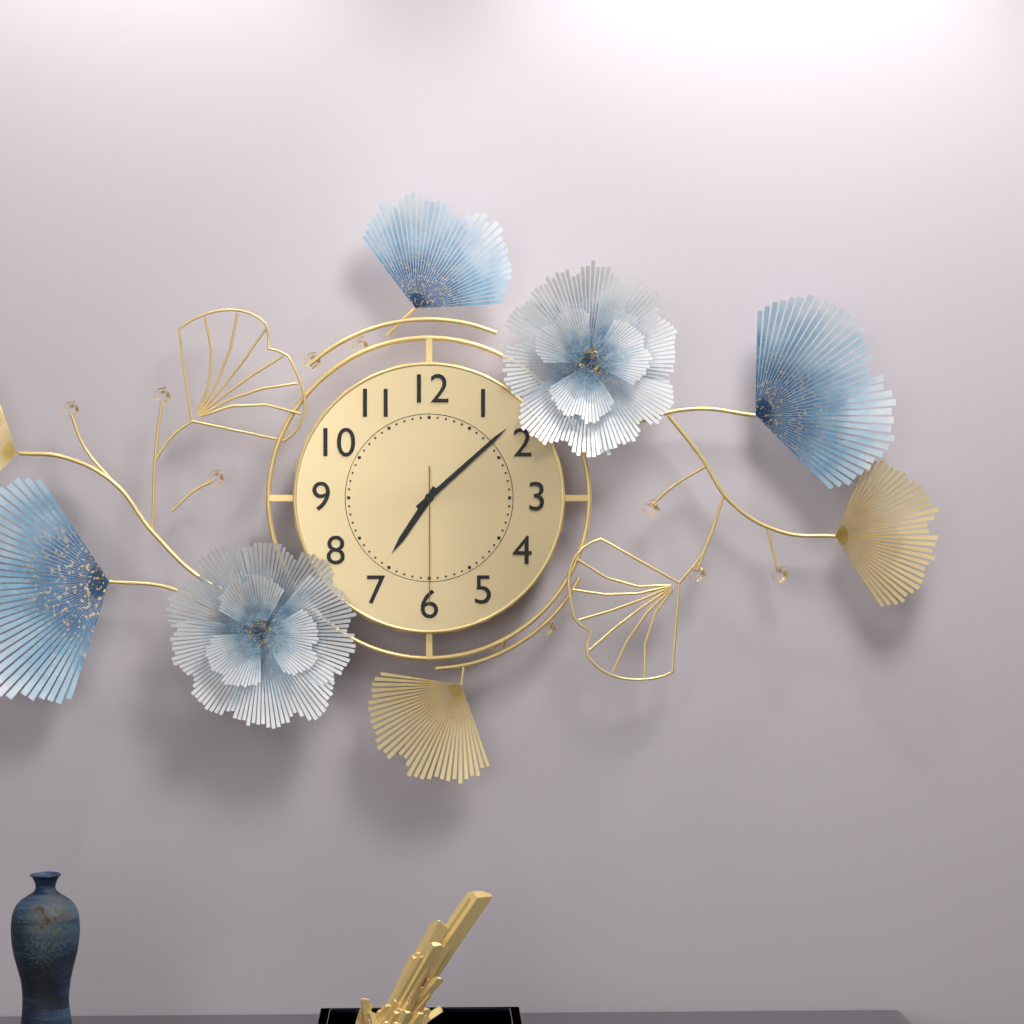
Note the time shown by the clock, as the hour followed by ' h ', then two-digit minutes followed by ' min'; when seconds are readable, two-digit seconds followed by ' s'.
7 h 08 min 30 s
